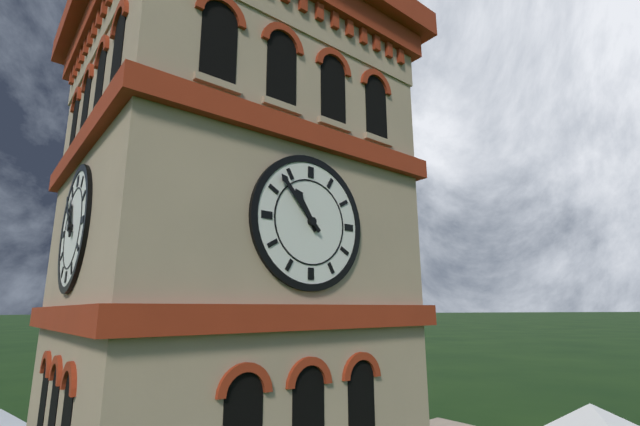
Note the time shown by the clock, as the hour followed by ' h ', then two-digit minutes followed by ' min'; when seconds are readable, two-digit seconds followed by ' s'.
10 h 53 min
